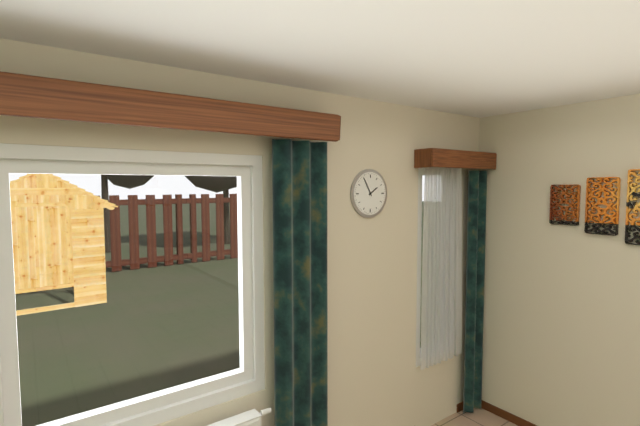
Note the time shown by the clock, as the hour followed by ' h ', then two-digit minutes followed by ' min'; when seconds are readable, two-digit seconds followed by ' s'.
1 h 55 min
